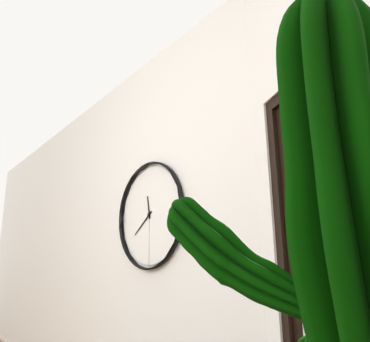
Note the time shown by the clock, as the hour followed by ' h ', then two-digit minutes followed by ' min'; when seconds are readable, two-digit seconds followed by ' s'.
11 h 39 min
